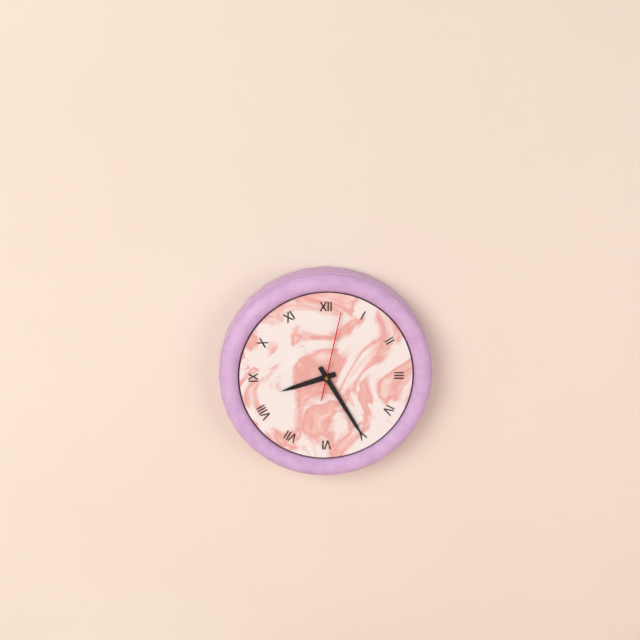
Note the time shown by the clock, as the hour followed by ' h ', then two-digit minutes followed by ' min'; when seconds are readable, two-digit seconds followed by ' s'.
8 h 25 min 02 s
